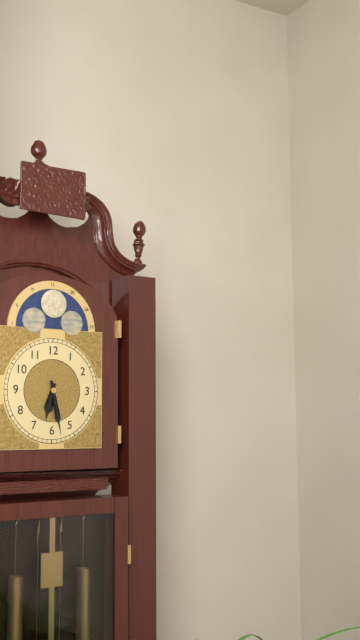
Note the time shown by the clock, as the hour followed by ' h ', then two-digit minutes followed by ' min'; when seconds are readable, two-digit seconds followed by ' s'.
6 h 28 min
